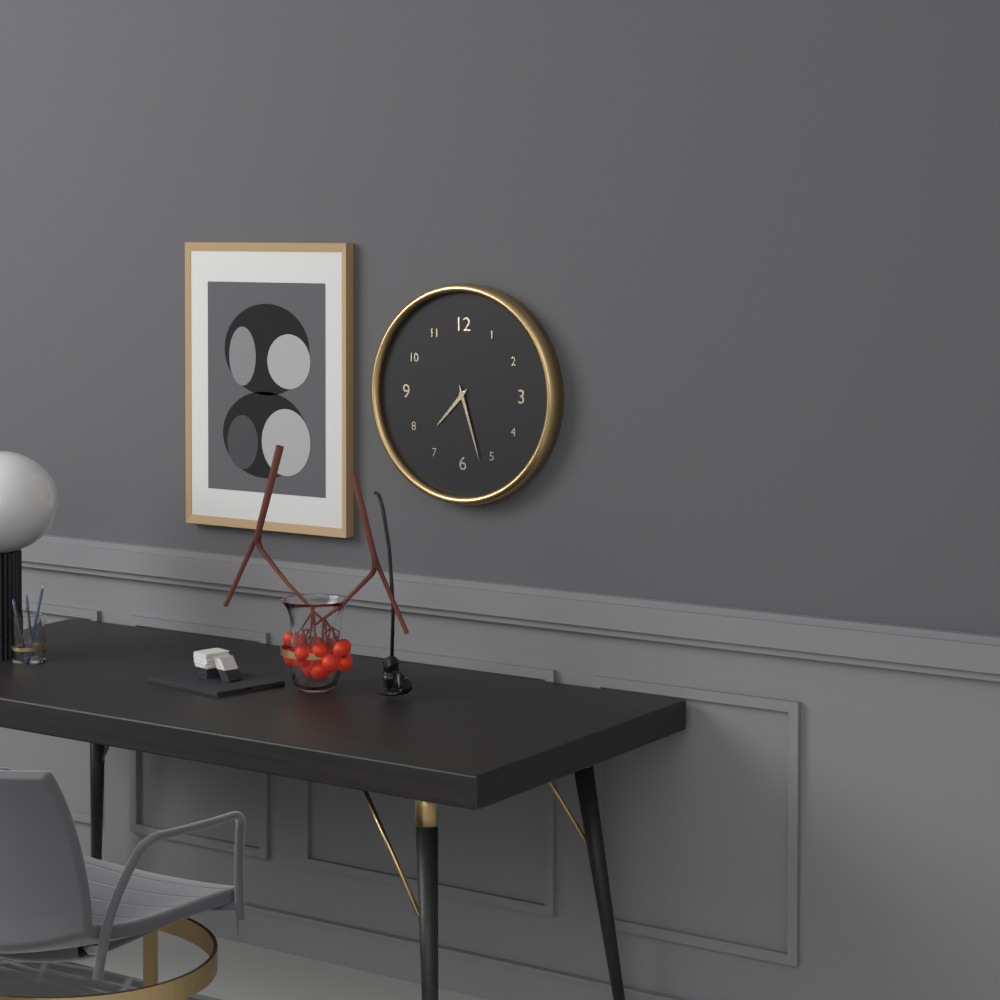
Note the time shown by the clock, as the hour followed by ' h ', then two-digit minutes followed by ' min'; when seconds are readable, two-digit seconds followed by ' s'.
7 h 27 min
